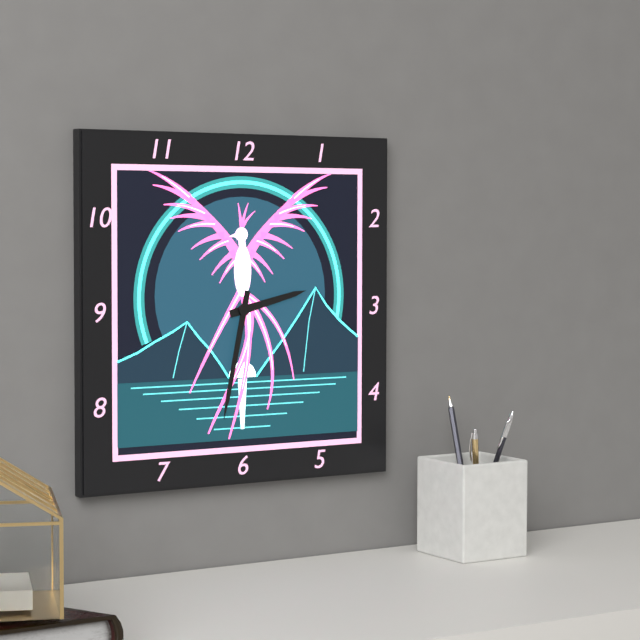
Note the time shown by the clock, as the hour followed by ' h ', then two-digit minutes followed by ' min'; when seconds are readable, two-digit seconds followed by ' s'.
2 h 32 min
